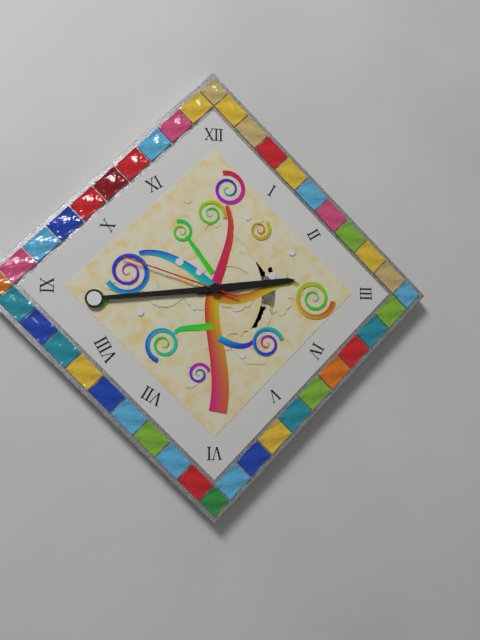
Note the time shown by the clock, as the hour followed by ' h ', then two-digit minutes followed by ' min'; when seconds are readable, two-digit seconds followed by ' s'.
2 h 44 min 48 s
